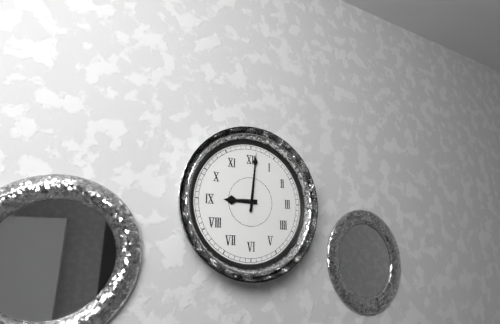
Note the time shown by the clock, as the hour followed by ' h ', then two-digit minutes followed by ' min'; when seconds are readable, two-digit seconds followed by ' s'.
9 h 01 min
